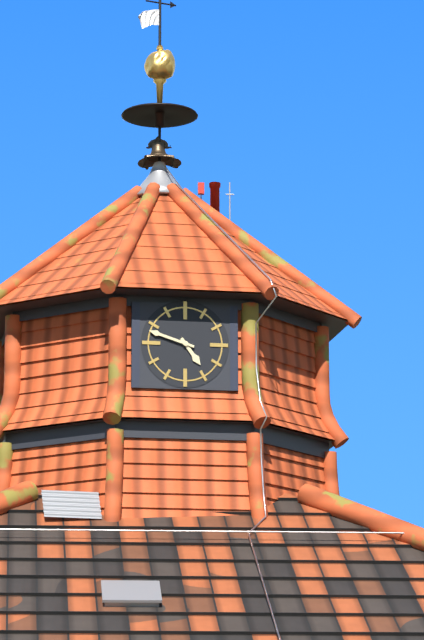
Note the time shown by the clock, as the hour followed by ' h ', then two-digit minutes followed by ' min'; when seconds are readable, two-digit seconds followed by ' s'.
4 h 48 min
